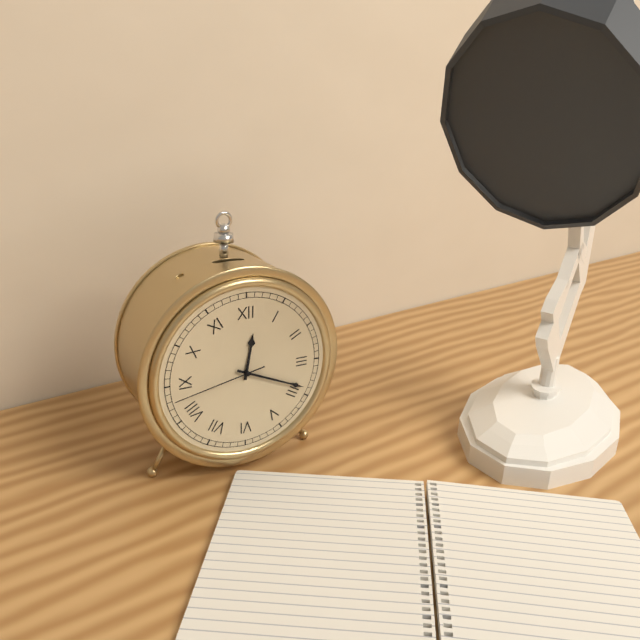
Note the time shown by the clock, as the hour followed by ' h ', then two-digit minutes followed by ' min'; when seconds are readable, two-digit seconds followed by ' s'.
12 h 19 min 43 s
